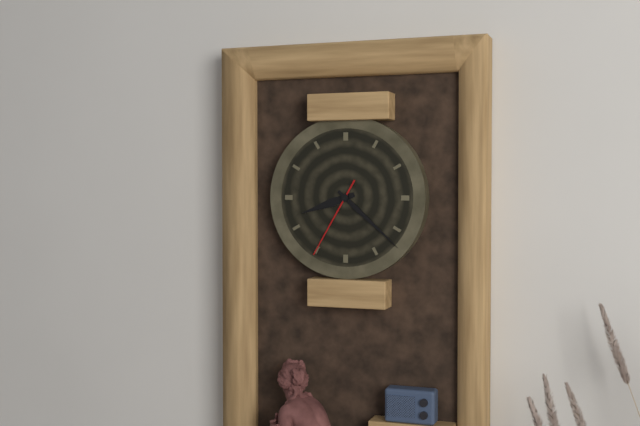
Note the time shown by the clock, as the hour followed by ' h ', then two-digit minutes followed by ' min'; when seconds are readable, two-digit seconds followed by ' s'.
8 h 22 min 35 s
